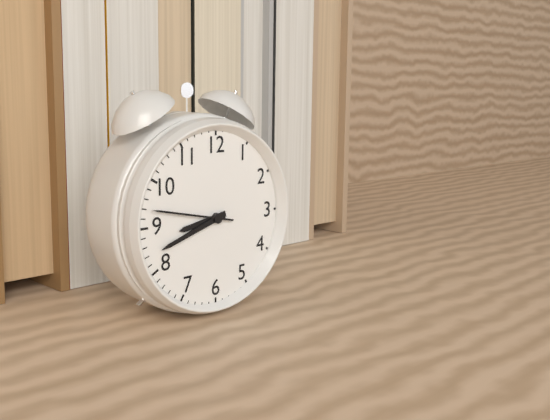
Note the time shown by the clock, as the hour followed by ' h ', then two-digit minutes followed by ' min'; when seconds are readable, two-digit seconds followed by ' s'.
8 h 42 min 47 s
